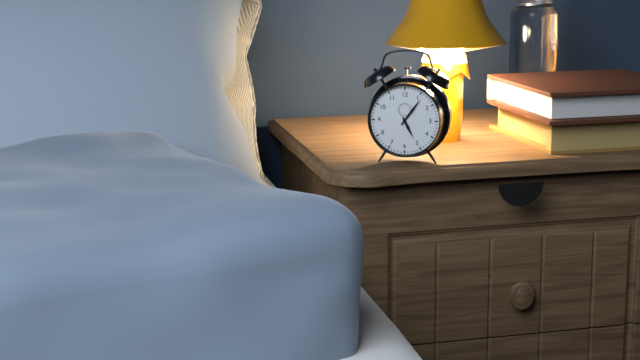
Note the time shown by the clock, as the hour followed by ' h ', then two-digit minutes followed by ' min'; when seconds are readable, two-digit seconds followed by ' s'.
5 h 06 min
